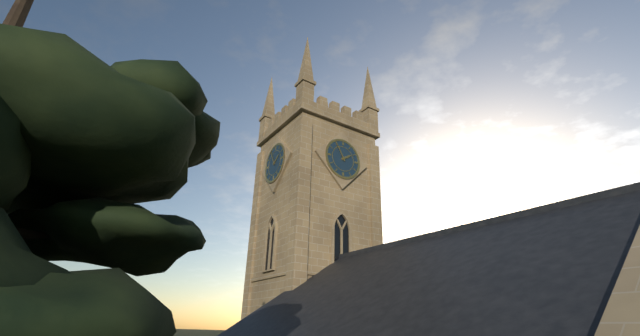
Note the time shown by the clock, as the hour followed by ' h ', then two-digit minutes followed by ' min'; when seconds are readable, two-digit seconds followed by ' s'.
1 h 55 min
